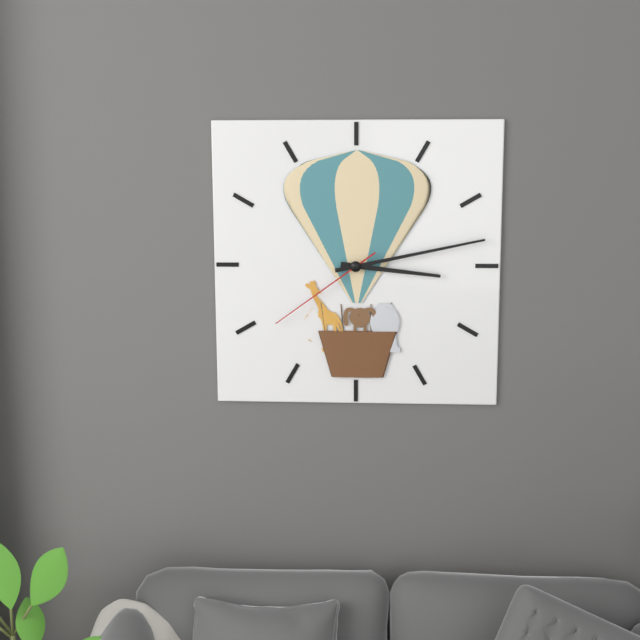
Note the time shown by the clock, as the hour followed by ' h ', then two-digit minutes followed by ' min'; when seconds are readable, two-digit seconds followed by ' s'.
3 h 13 min 39 s
